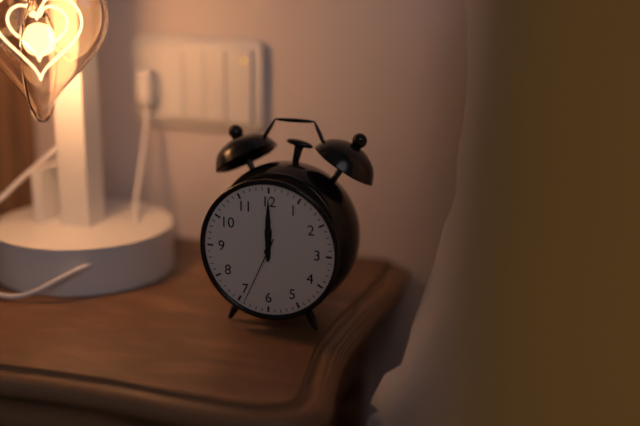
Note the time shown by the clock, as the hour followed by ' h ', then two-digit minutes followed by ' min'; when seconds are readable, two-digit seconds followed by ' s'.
12 h 00 min 34 s
